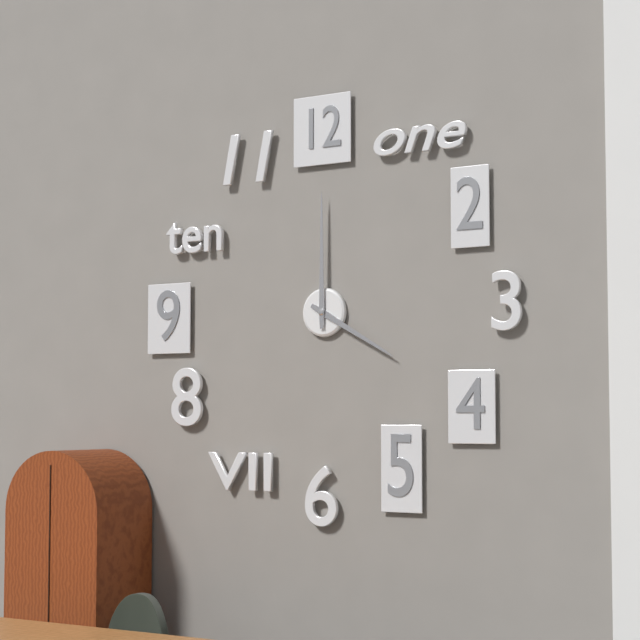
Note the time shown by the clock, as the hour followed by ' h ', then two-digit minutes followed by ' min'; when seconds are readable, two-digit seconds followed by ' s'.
4 h 00 min
